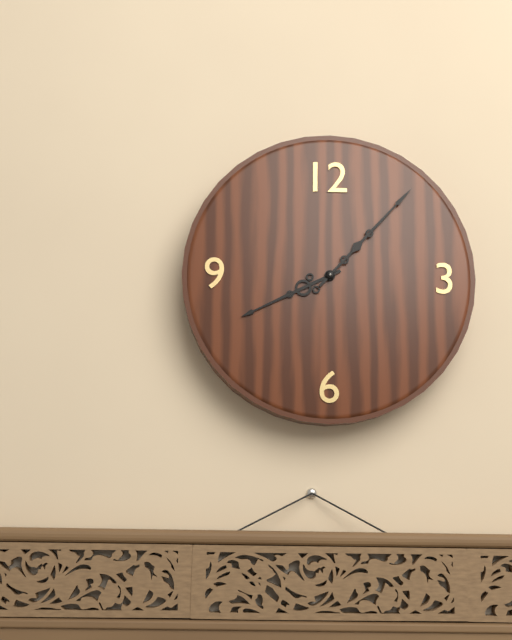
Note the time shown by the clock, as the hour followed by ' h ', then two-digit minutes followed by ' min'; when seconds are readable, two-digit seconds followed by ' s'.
8 h 07 min
